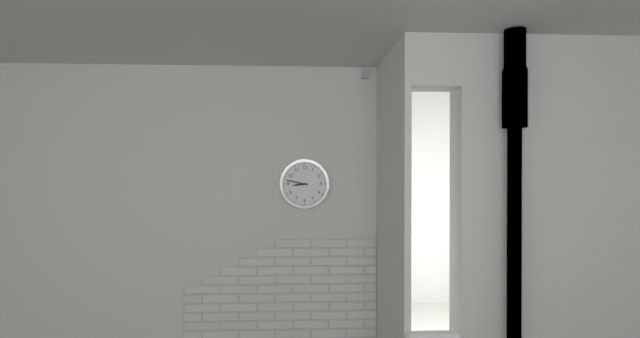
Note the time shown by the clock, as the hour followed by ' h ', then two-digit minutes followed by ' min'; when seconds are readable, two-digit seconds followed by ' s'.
8 h 47 min
